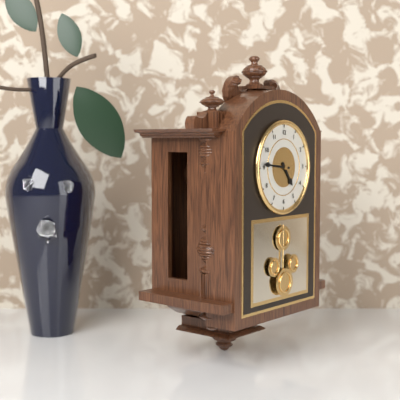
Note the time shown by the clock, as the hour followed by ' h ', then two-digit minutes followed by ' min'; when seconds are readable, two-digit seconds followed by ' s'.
4 h 46 min
